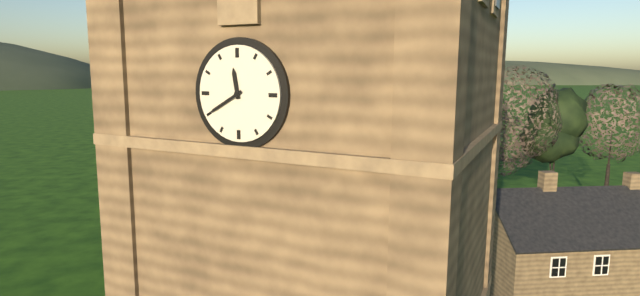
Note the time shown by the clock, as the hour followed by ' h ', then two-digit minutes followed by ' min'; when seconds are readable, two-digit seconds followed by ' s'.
11 h 40 min
